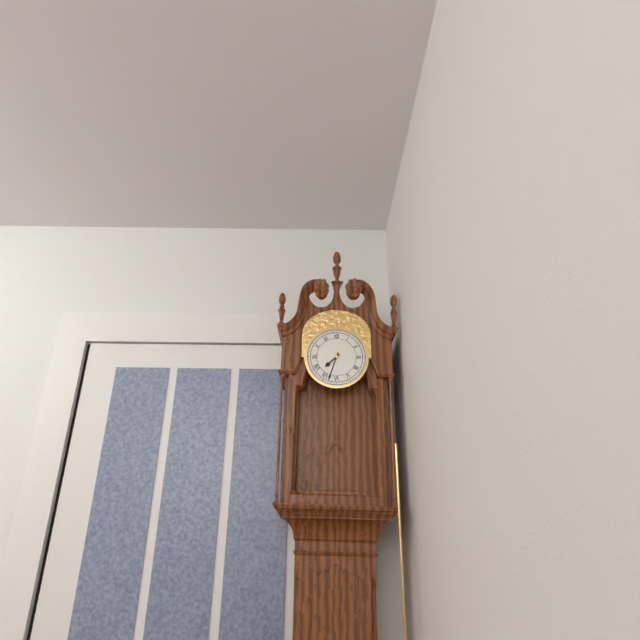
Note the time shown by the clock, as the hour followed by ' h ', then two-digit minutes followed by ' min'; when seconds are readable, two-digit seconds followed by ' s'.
7 h 33 min
